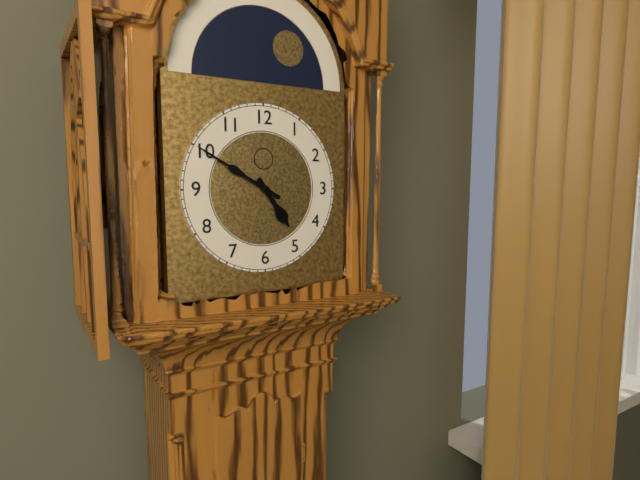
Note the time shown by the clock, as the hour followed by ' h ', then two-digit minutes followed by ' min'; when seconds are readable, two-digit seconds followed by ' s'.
4 h 50 min
